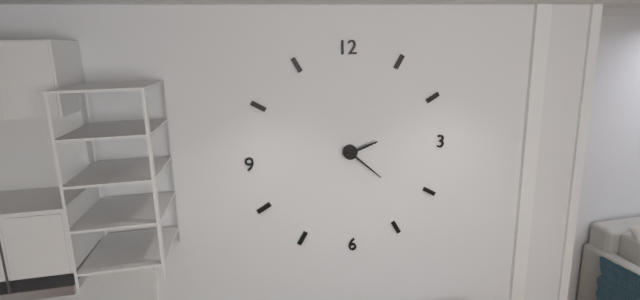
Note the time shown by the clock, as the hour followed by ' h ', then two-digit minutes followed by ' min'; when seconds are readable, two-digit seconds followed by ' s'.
2 h 22 min
